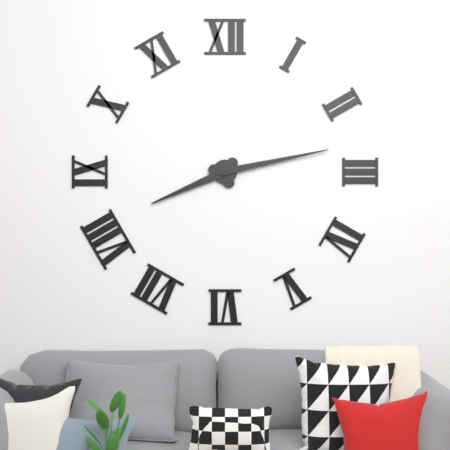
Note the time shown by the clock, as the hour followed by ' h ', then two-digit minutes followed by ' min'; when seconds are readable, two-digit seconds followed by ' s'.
8 h 13 min
